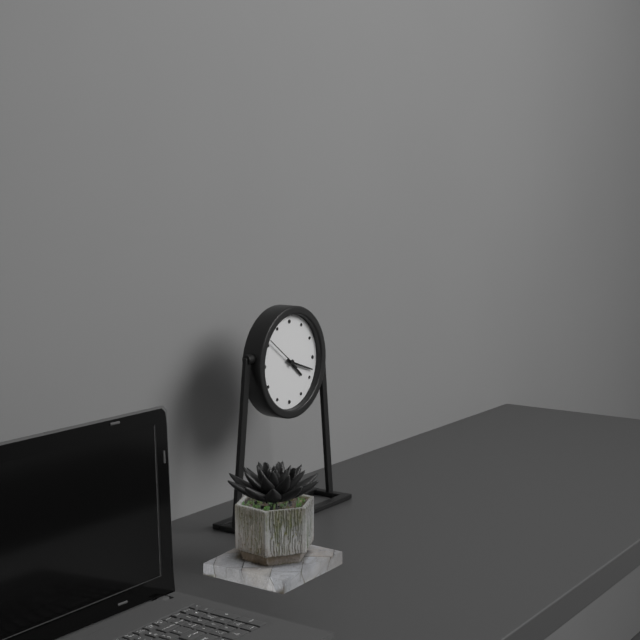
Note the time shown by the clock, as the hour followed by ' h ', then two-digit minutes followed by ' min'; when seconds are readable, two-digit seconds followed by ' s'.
4 h 18 min
